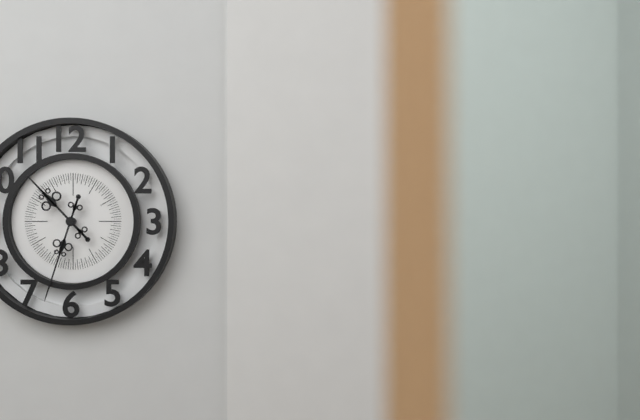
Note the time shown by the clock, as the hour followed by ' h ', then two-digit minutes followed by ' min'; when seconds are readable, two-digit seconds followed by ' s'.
10 h 33 min
